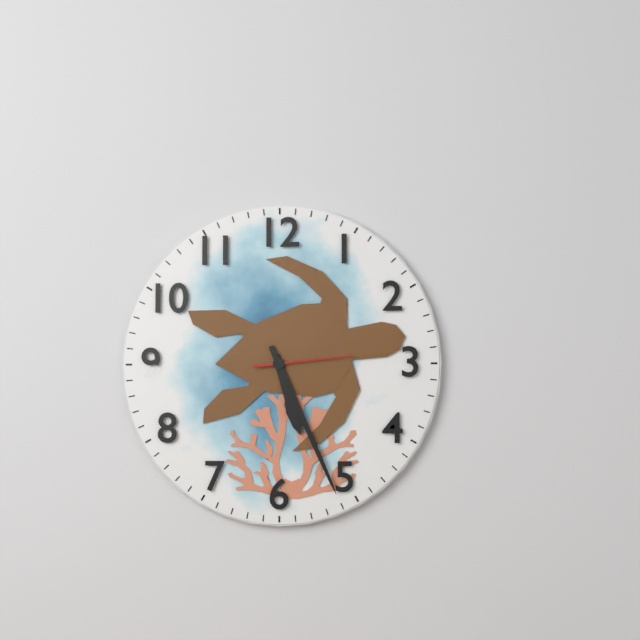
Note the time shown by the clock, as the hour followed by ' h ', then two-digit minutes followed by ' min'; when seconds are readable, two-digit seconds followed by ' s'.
5 h 26 min 14 s
